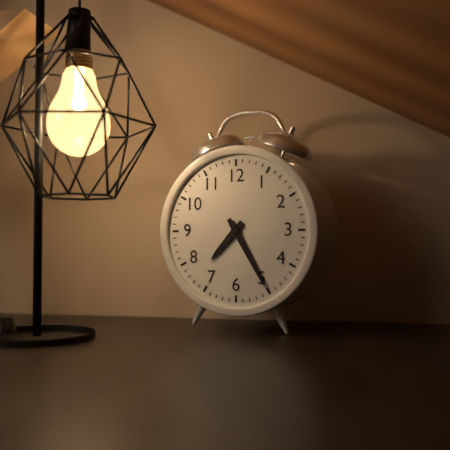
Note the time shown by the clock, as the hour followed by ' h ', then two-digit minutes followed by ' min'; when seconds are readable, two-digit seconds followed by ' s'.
7 h 25 min
